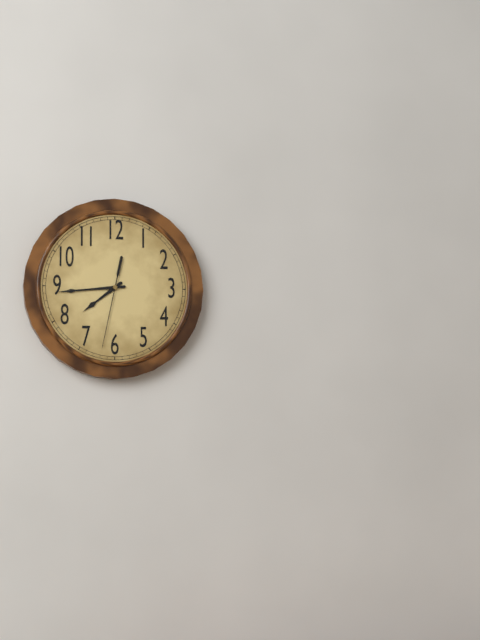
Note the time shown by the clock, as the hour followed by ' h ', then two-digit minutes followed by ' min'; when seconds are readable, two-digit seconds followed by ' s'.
7 h 44 min 32 s
